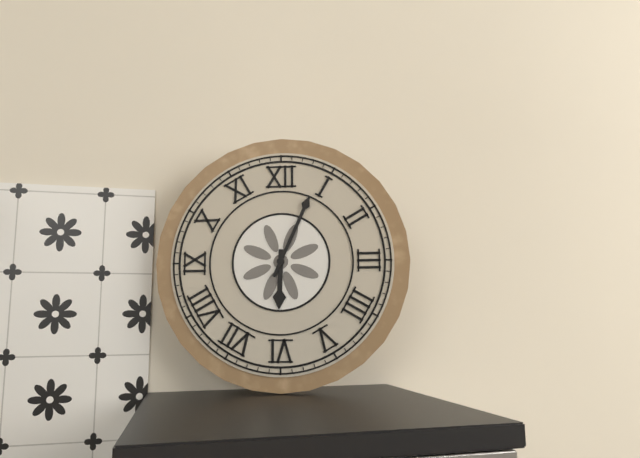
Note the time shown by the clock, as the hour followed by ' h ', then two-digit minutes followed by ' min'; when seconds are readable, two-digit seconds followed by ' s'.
6 h 04 min
